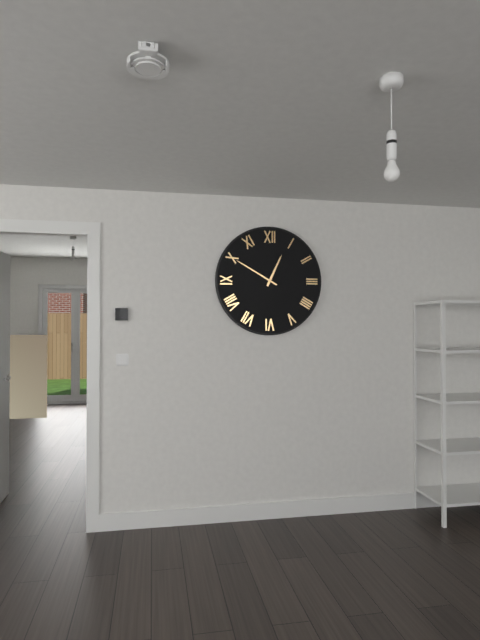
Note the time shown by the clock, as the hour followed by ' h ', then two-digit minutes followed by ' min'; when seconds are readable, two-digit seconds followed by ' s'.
12 h 50 min
